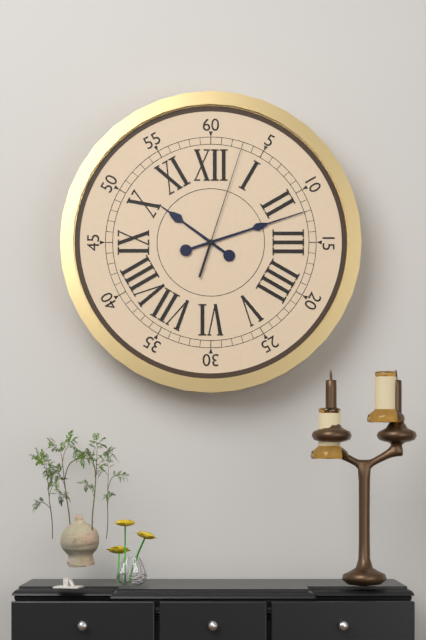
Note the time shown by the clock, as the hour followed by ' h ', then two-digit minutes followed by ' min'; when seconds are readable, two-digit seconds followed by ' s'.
10 h 12 min 03 s
